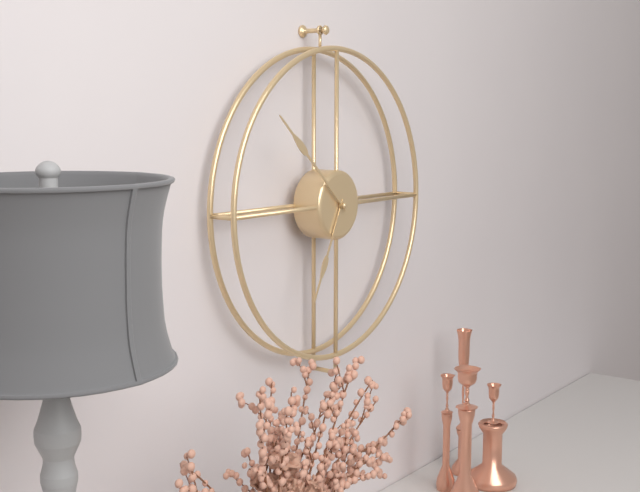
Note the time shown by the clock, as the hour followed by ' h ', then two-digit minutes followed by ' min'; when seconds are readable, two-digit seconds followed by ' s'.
6 h 52 min
